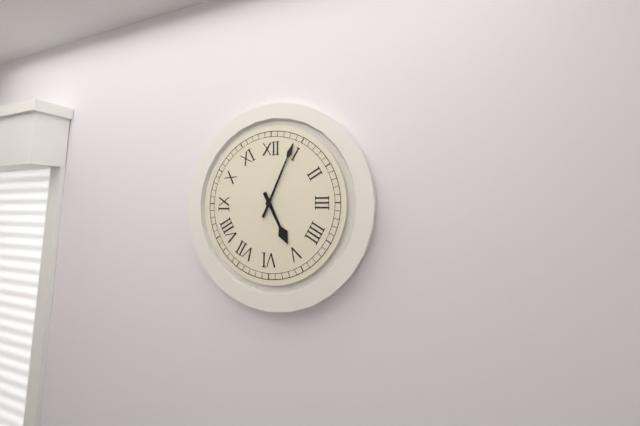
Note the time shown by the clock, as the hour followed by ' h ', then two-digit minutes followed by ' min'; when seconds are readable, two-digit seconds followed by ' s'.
5 h 04 min
